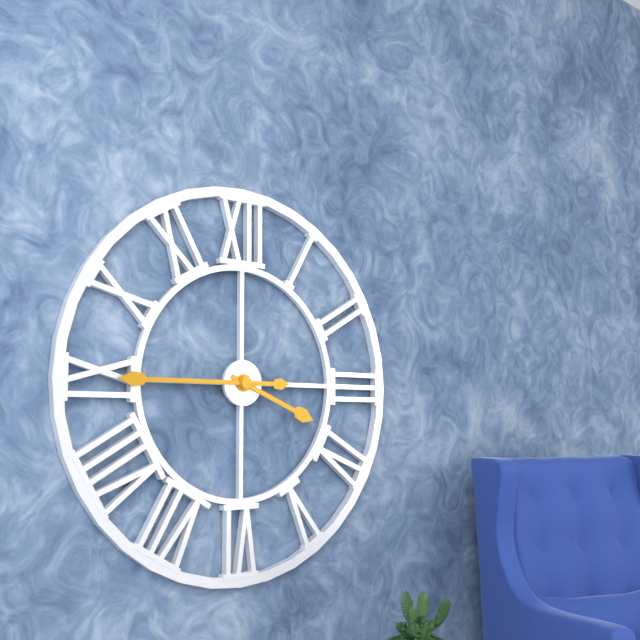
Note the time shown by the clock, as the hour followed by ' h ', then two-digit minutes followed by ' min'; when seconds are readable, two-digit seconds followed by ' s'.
3 h 45 min
